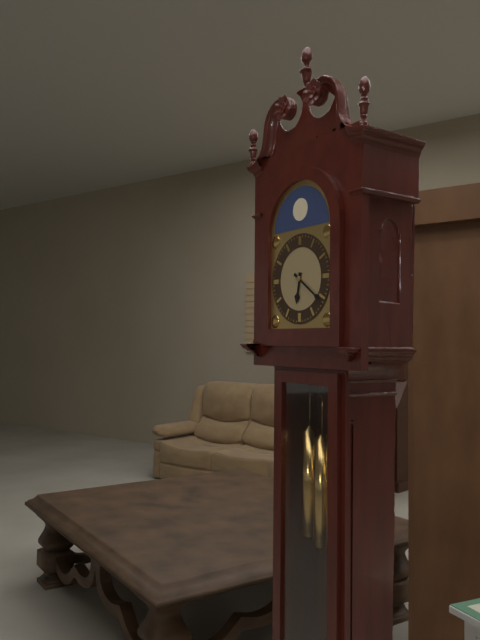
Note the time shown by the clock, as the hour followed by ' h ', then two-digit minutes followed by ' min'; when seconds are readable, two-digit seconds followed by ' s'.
6 h 21 min
